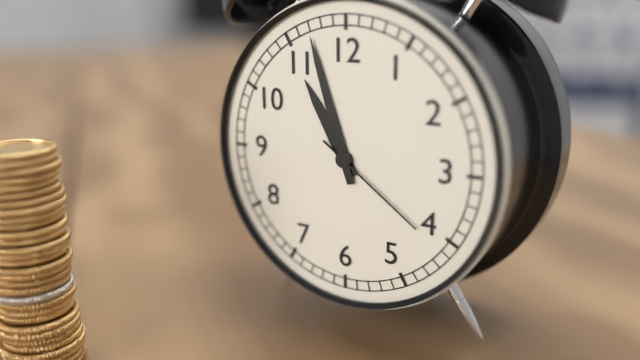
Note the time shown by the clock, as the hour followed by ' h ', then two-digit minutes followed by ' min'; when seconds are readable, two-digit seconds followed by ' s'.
10 h 57 min 21 s
